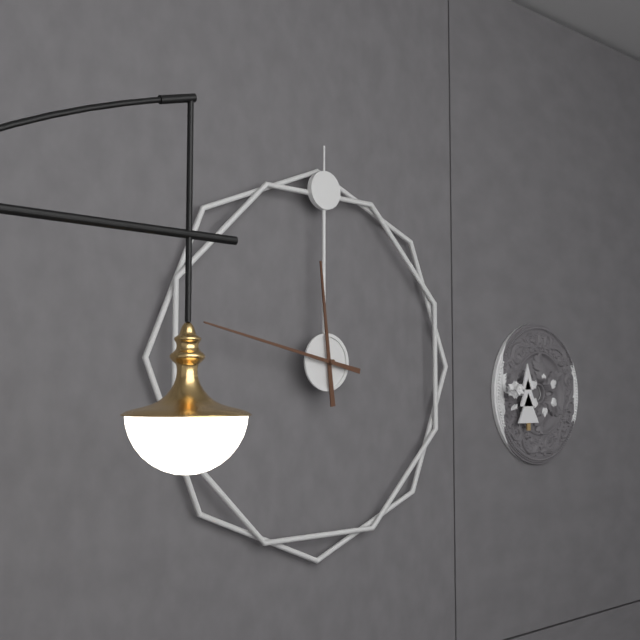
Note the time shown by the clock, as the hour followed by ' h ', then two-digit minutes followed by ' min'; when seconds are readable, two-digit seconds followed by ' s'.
11 h 47 min
